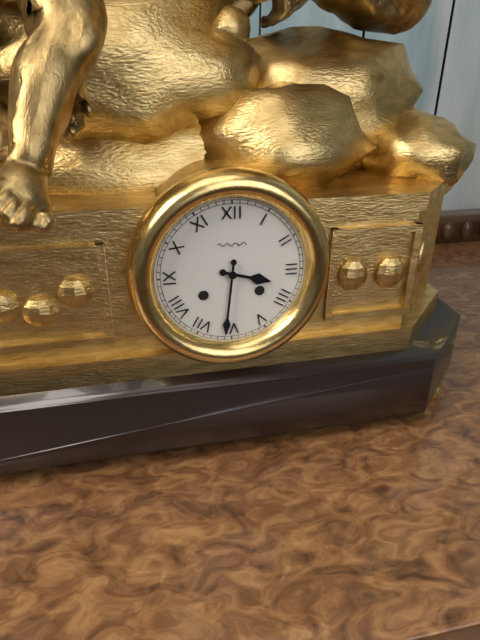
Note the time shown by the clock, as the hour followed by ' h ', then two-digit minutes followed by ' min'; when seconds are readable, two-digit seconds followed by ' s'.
3 h 31 min
